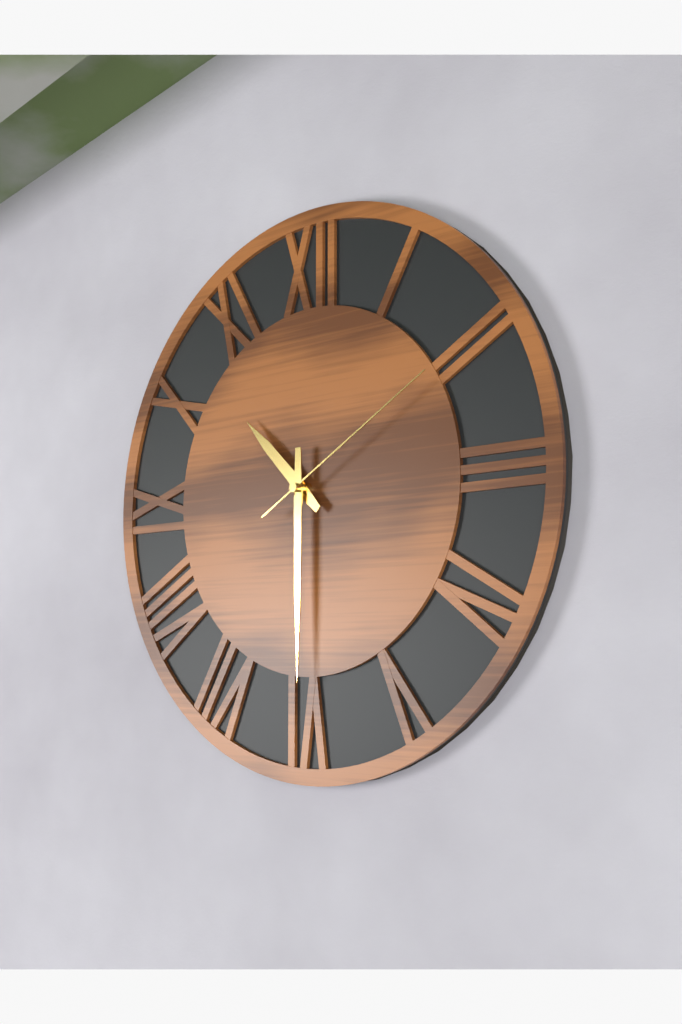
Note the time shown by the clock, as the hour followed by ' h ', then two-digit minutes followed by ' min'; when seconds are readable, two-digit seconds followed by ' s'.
10 h 30 min 10 s
